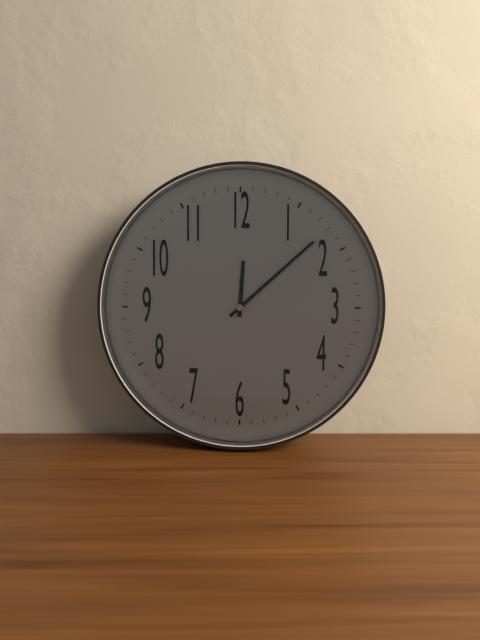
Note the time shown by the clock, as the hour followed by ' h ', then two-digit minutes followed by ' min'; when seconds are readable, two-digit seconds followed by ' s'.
12 h 08 min
